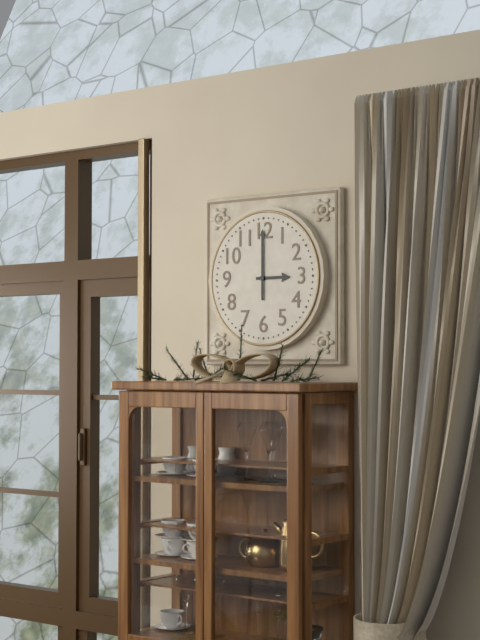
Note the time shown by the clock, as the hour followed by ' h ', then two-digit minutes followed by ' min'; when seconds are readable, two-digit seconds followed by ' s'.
3 h 00 min
